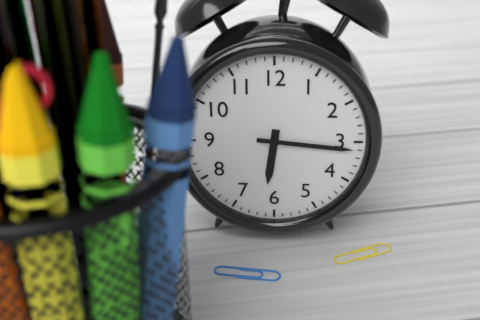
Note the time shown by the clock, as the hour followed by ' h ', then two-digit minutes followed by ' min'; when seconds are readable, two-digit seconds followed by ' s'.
6 h 16 min
